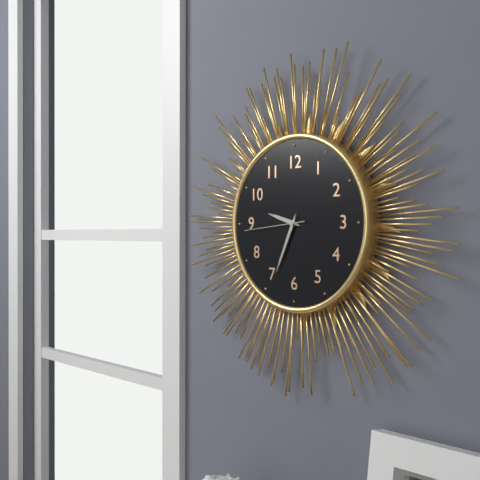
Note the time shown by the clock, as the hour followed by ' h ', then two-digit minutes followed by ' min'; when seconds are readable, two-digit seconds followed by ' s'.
9 h 34 min 44 s
